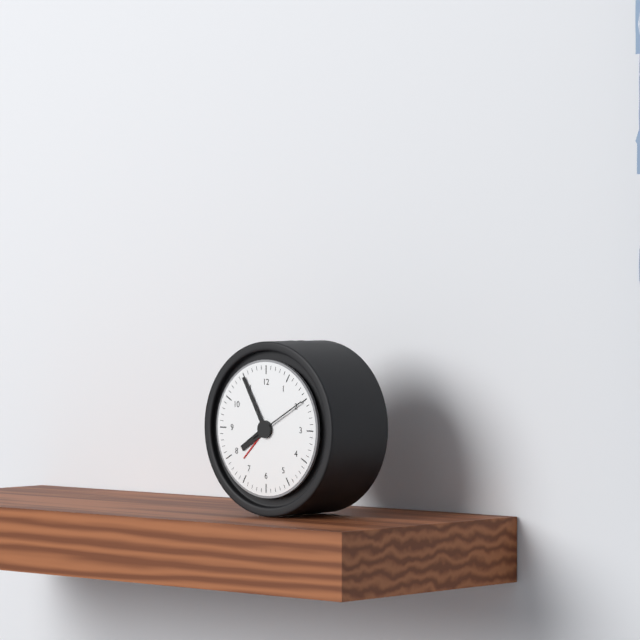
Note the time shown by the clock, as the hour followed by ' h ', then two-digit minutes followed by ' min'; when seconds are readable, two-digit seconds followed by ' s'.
7 h 55 min 10 s
